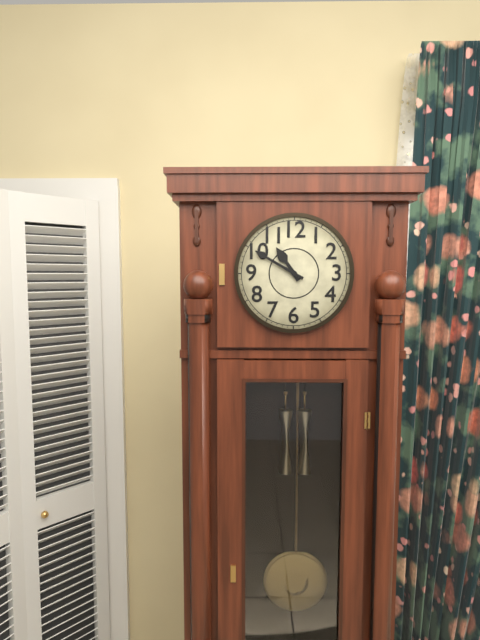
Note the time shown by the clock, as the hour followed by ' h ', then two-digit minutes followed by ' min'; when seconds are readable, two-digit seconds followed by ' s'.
10 h 50 min
